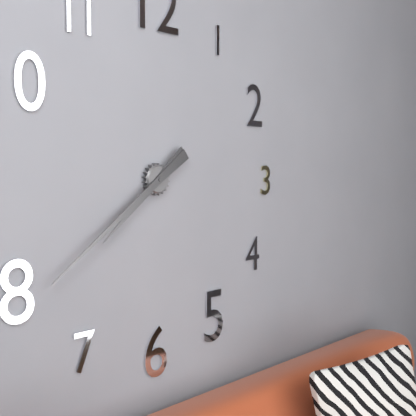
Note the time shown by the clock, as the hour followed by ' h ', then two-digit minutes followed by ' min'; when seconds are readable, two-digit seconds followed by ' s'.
7 h 39 min
